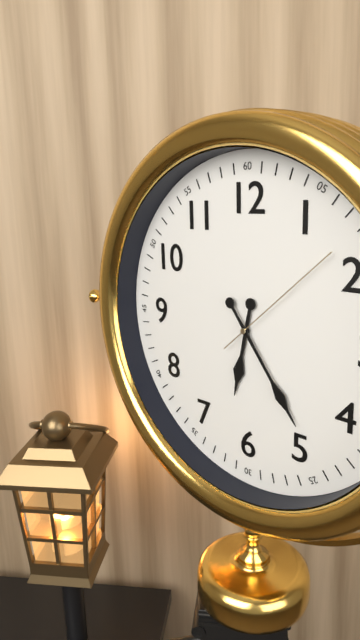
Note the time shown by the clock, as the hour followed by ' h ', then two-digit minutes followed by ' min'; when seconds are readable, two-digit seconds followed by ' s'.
6 h 24 min 08 s
